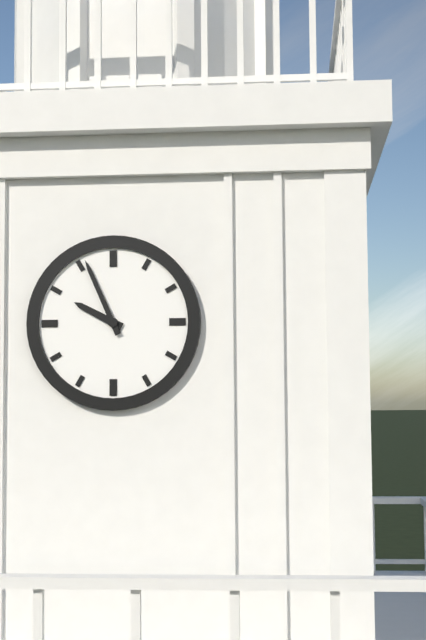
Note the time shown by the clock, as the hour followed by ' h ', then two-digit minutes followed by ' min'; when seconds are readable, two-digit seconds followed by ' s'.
9 h 56 min
